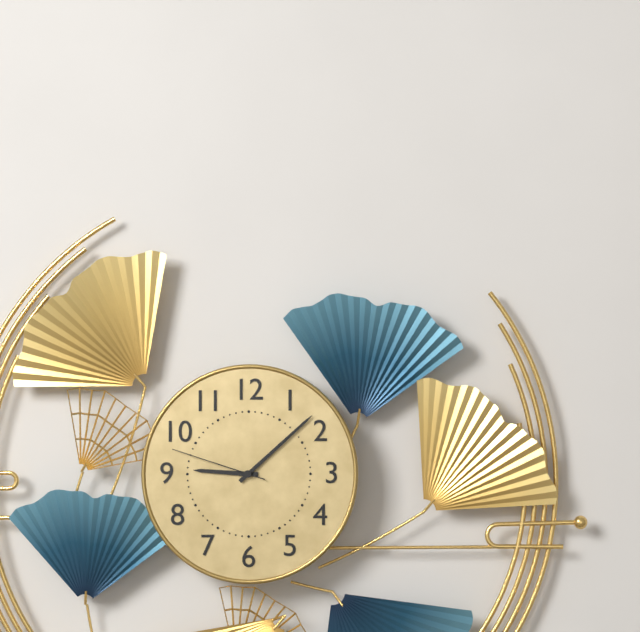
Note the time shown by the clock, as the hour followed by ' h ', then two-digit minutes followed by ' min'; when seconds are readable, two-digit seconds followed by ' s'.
9 h 08 min 48 s
